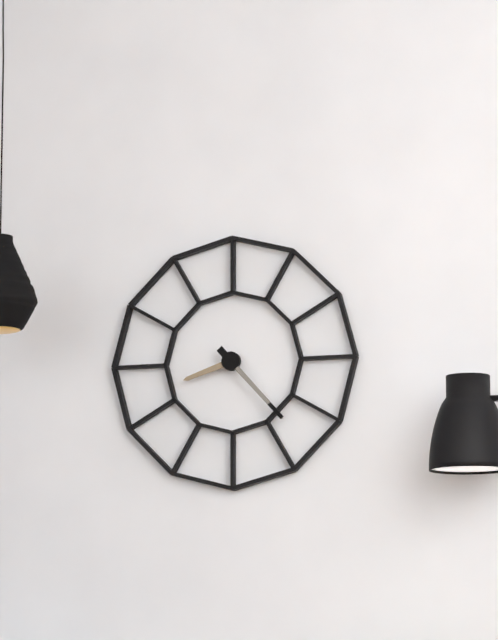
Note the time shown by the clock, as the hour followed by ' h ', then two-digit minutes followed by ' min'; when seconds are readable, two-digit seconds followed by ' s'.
8 h 23 min
